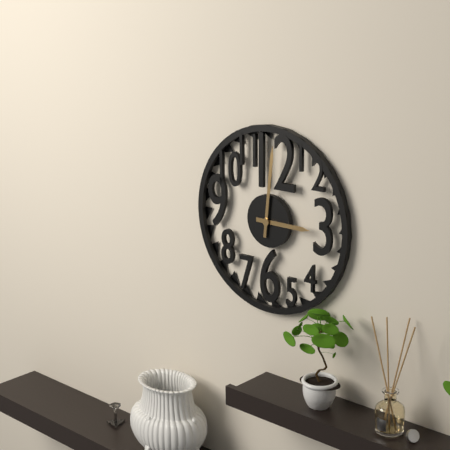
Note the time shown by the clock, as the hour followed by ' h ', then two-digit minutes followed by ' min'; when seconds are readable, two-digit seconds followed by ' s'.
3 h 01 min
